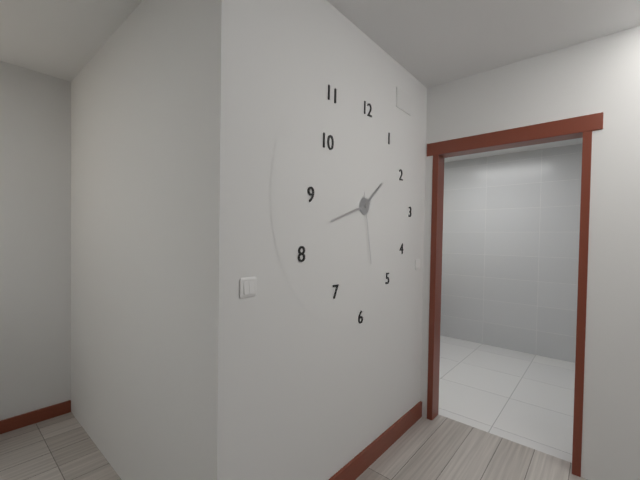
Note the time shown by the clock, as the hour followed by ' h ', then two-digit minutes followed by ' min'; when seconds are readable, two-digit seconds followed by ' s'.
1 h 42 min 28 s
